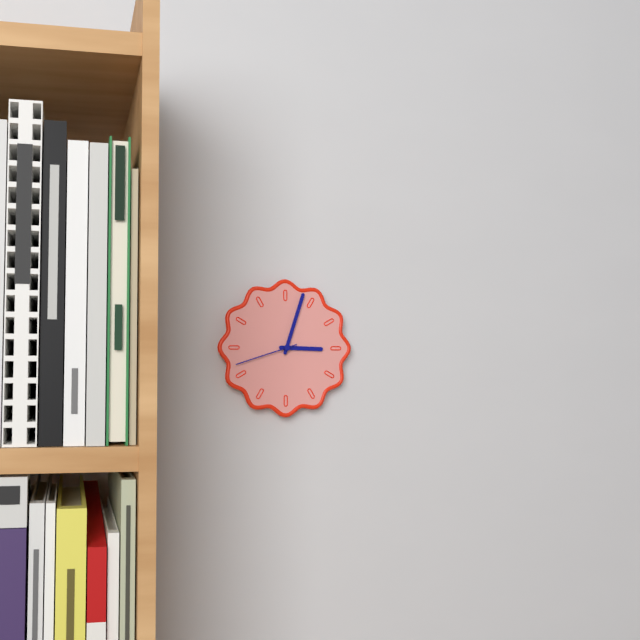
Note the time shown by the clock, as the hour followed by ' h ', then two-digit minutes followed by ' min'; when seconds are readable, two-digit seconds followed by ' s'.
3 h 03 min 42 s
